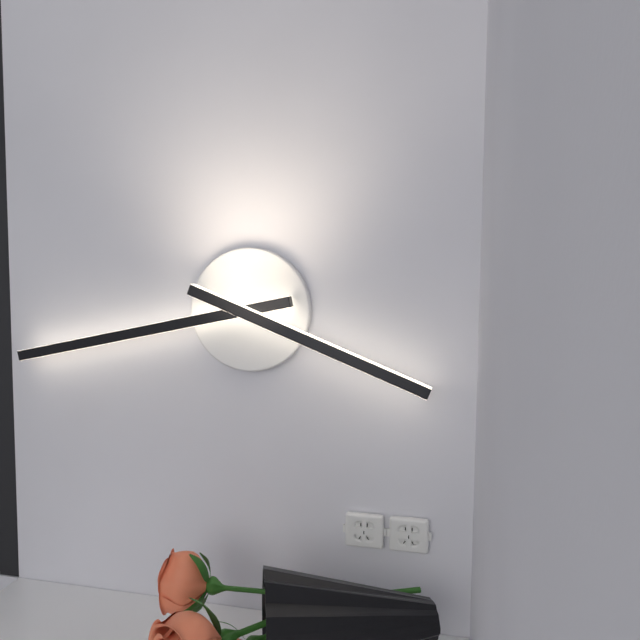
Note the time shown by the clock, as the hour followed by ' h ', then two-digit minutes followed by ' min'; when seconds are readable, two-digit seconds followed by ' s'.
3 h 43 min
